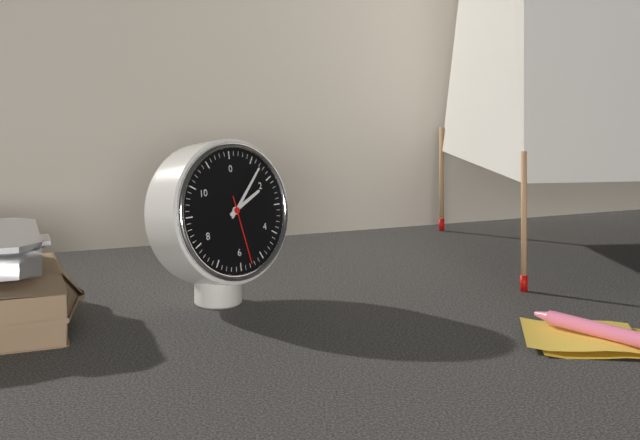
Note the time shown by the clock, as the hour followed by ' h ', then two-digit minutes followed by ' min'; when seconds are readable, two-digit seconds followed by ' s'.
2 h 07 min 28 s
